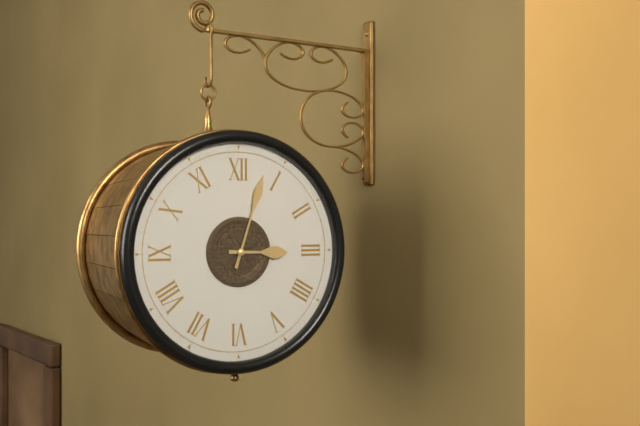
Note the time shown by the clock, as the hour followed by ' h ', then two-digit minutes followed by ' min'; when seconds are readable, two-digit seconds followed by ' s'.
3 h 03 min
